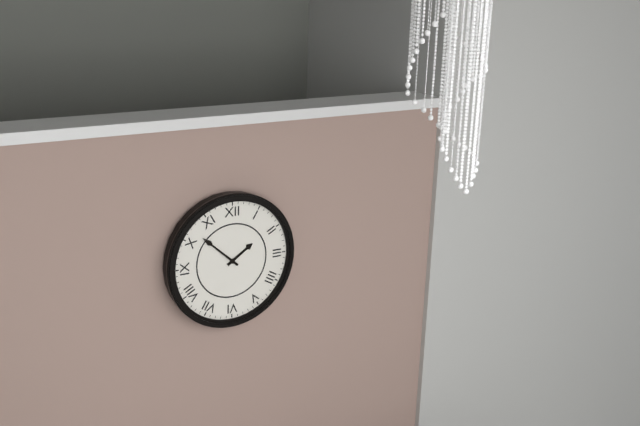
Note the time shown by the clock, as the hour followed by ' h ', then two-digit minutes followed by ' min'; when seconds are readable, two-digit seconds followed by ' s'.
1 h 52 min
